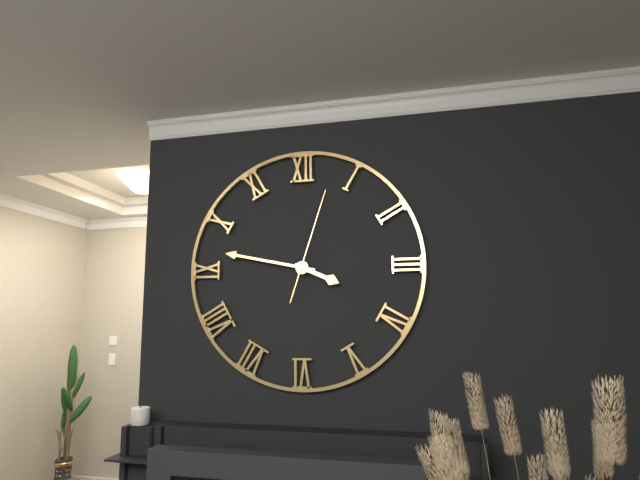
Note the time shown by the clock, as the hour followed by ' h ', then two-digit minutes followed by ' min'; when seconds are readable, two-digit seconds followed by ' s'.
3 h 47 min 03 s
